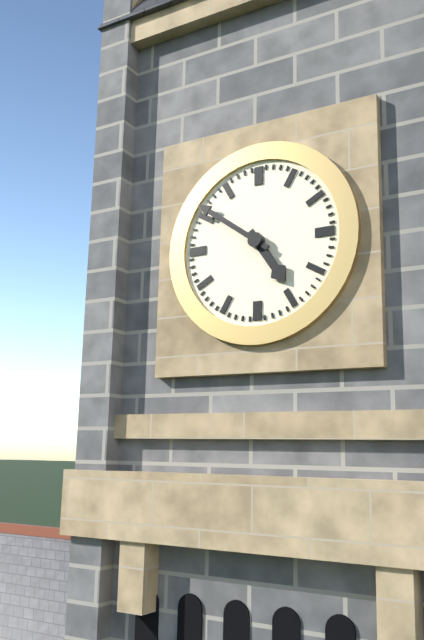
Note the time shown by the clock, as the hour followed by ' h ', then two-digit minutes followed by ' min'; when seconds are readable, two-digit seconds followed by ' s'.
4 h 51 min
